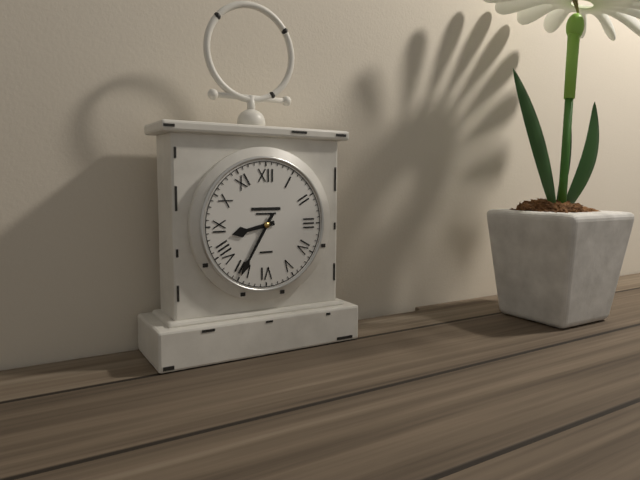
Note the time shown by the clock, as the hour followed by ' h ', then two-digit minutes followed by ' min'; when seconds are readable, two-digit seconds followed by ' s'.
8 h 35 min
